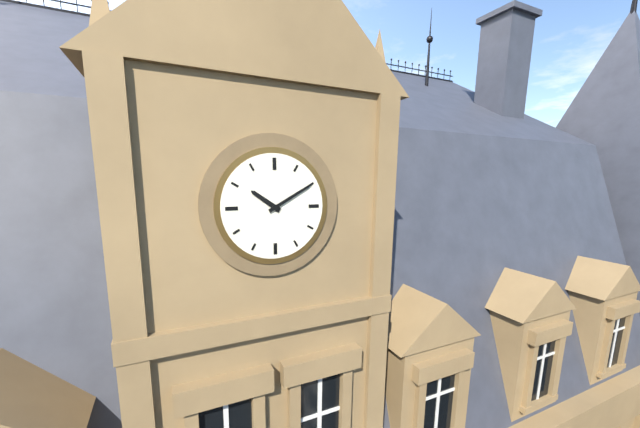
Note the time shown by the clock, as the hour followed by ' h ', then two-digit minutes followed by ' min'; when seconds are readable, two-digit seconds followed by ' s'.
10 h 10 min
